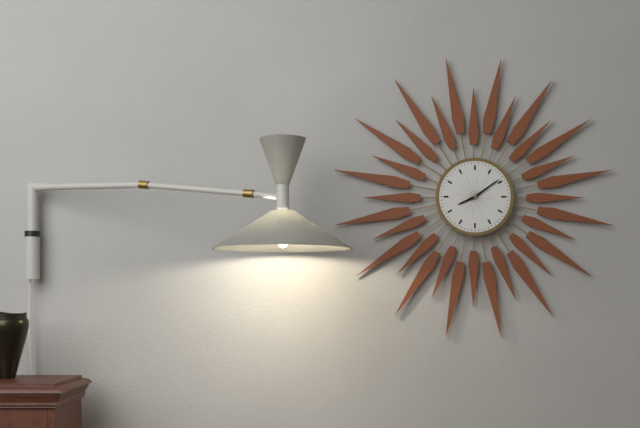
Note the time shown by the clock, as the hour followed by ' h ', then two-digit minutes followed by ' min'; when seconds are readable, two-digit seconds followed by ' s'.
8 h 09 min
